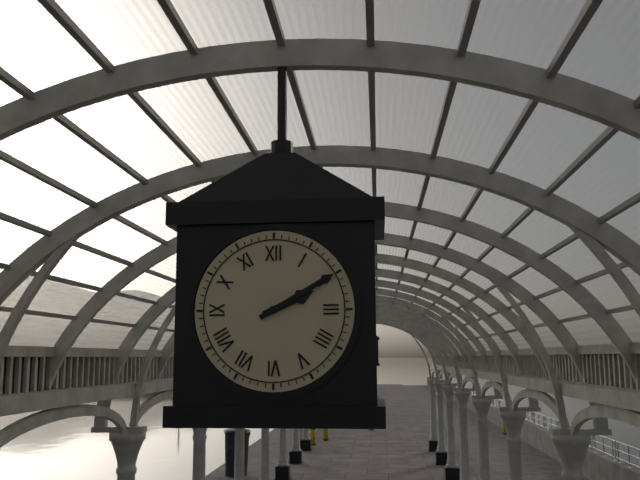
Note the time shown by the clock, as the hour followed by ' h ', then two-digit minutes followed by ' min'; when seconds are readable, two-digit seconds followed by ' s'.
2 h 10 min
